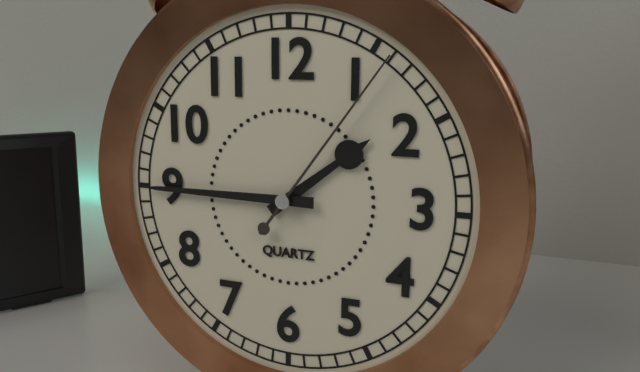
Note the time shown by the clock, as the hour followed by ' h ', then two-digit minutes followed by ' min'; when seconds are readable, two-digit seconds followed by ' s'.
1 h 45 min 06 s
